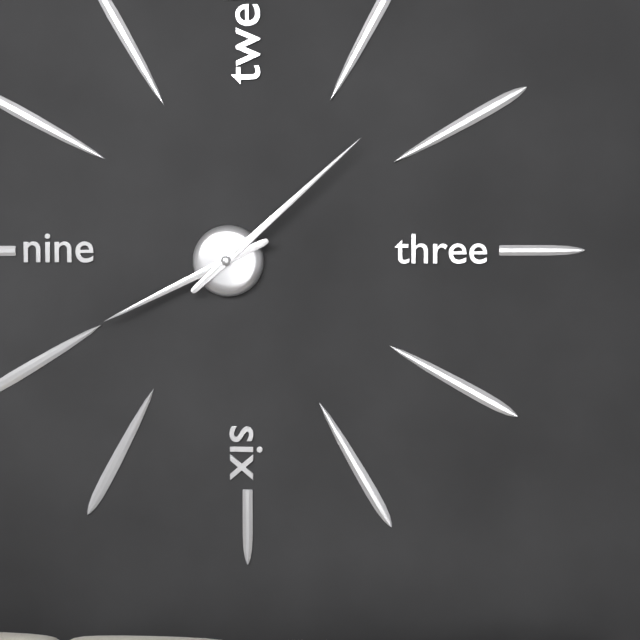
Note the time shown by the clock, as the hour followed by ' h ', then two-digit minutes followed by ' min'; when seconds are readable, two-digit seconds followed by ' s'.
8 h 08 min
